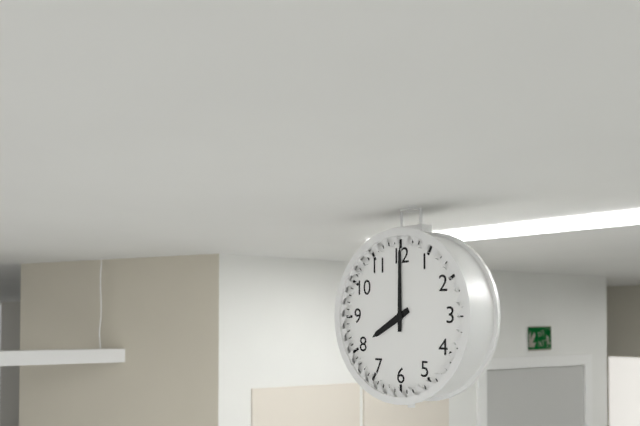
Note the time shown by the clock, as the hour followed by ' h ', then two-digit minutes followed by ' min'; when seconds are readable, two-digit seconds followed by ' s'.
8 h 00 min
